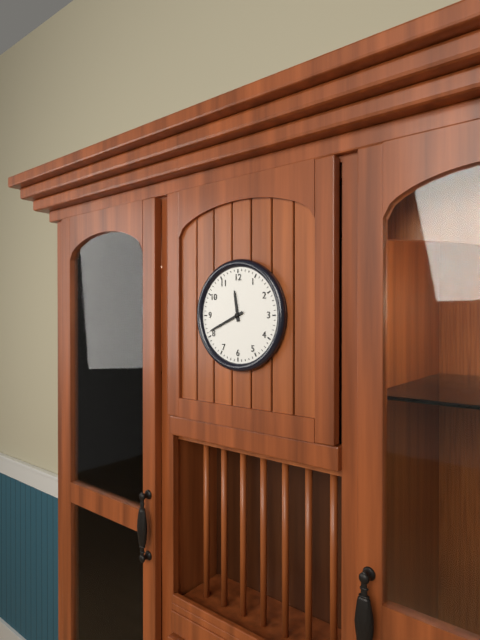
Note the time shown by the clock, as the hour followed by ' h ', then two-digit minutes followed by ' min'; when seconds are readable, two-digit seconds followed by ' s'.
11 h 41 min
